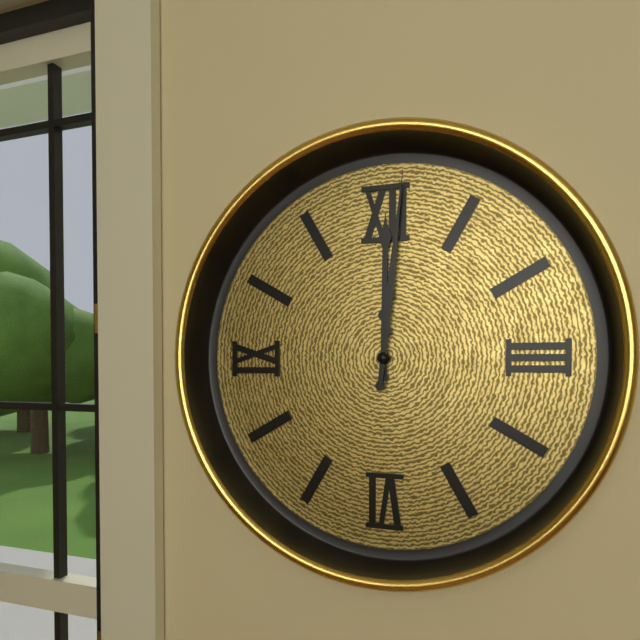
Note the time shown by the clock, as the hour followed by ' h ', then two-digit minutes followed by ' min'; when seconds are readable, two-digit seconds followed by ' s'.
12 h 01 min
